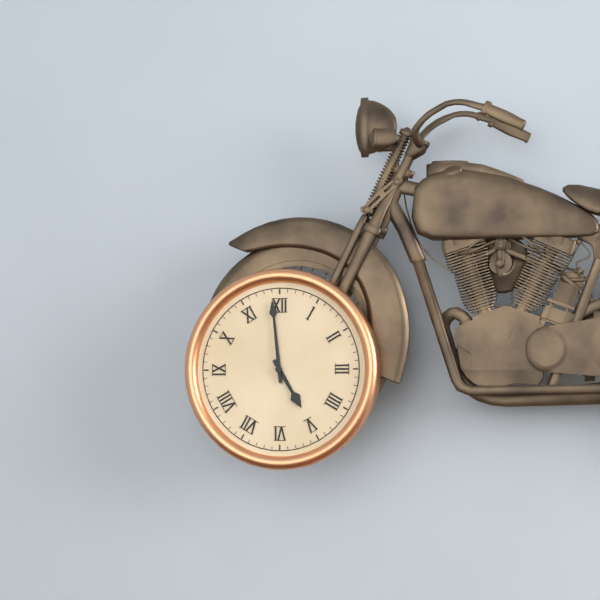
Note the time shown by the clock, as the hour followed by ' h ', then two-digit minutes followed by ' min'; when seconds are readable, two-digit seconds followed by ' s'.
4 h 59 min
